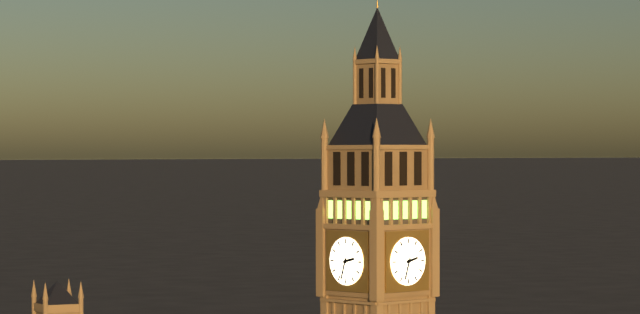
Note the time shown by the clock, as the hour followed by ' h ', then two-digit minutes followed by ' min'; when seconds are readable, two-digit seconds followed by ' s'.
2 h 33 min
